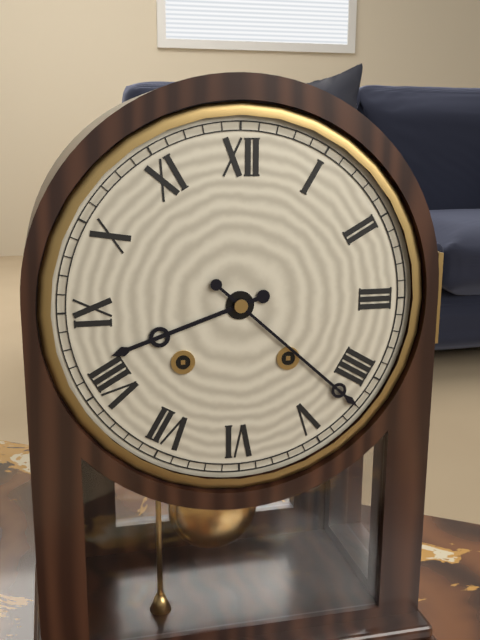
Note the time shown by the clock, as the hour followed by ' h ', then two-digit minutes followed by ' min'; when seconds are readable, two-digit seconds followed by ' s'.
8 h 22 min
